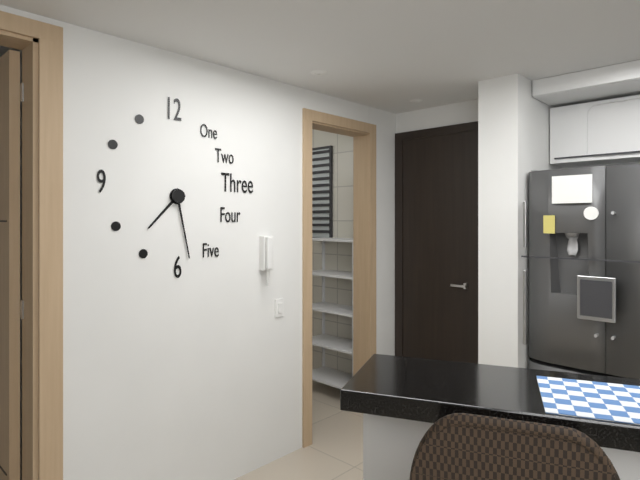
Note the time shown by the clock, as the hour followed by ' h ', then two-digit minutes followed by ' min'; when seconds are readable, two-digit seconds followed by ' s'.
7 h 28 min
